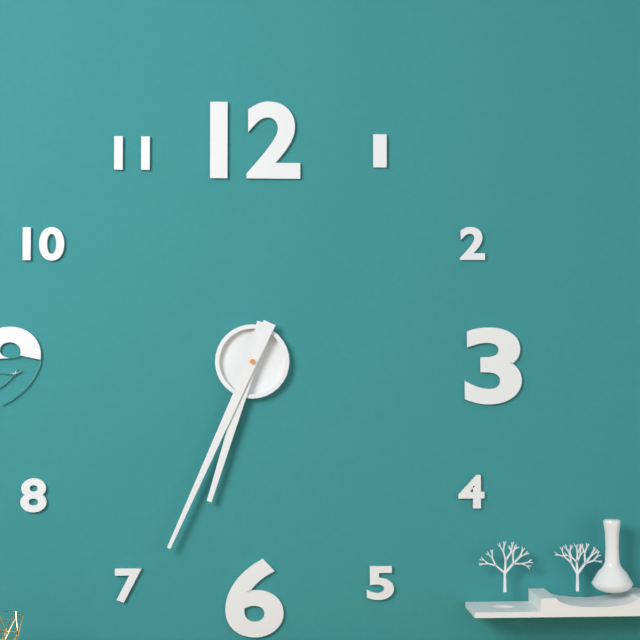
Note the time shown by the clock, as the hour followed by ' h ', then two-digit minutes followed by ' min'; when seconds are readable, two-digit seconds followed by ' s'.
6 h 34 min
